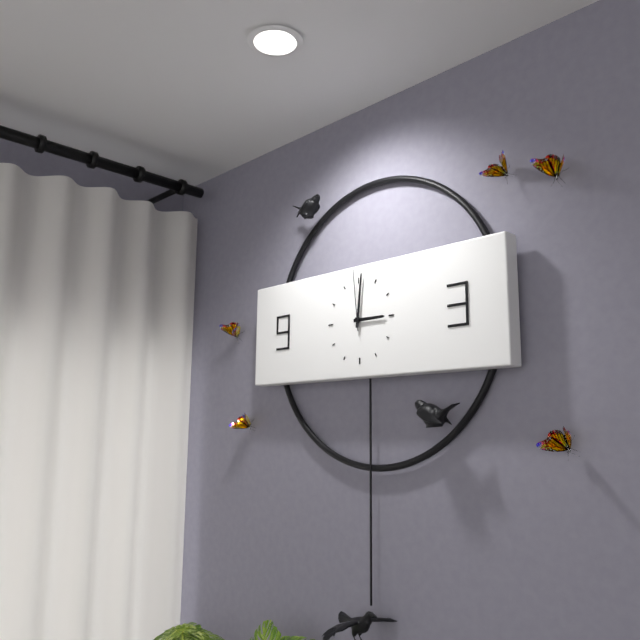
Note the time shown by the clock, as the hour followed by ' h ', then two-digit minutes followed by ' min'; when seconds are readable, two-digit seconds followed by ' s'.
3 h 01 min 59 s
